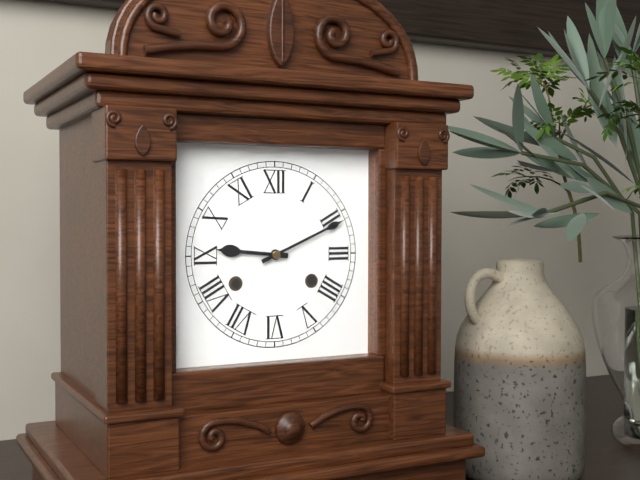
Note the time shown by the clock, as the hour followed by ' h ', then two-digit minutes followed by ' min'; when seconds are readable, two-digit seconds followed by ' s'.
9 h 11 min
